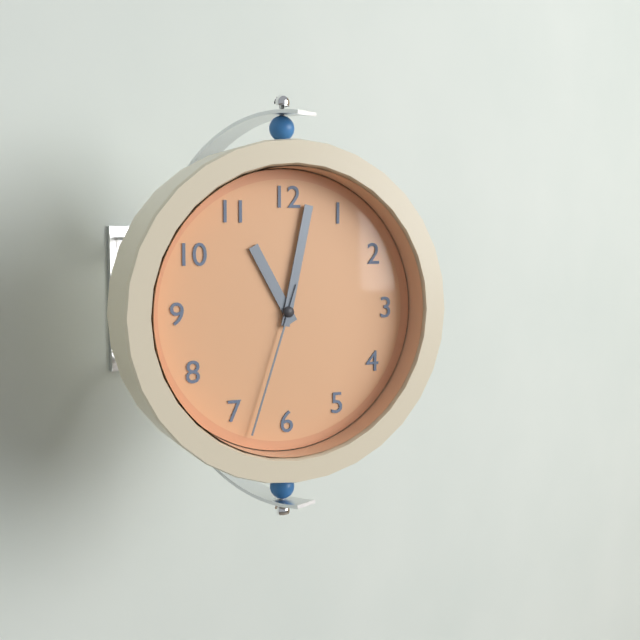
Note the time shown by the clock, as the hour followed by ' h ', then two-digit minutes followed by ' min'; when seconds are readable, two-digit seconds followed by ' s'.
11 h 02 min 33 s
